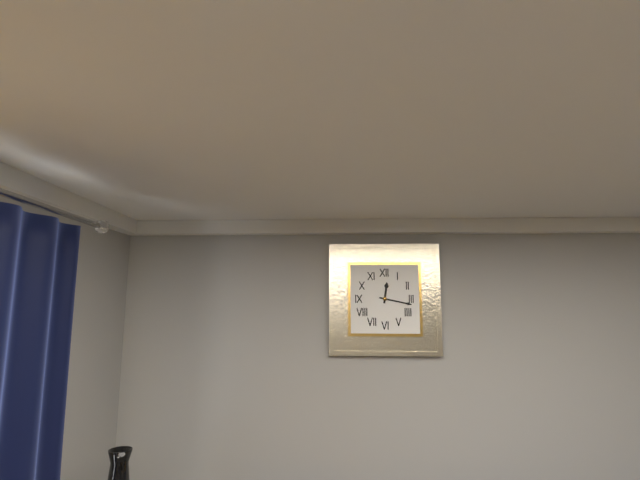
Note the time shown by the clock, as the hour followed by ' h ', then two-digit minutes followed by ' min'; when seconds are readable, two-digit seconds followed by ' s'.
12 h 17 min
